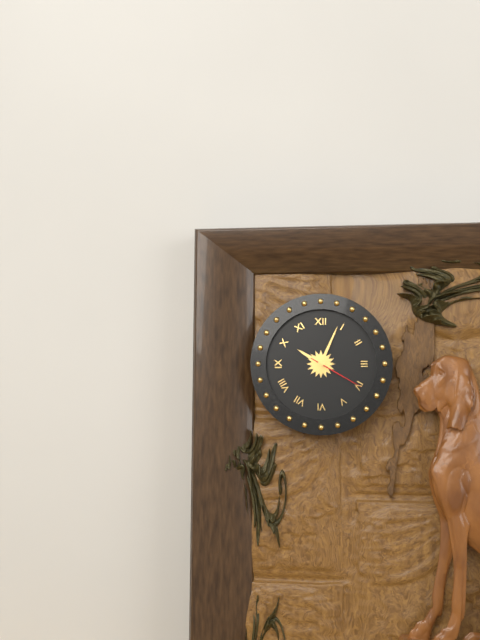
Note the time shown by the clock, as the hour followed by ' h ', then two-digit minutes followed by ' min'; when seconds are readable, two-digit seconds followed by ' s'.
10 h 04 min 20 s
